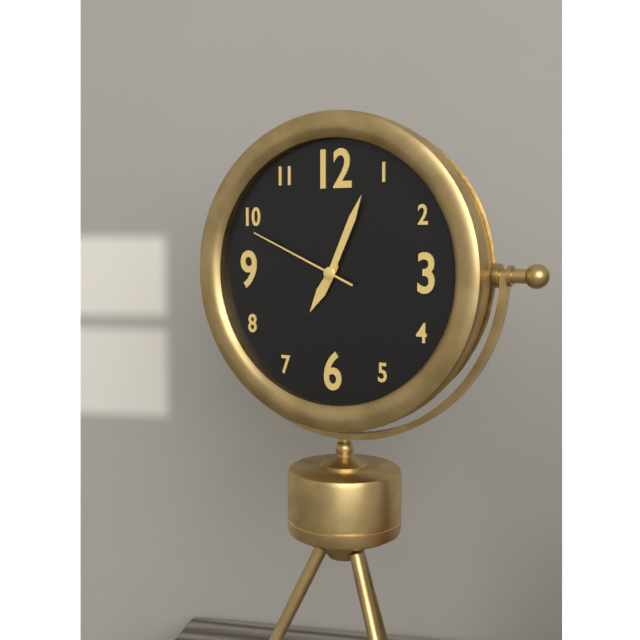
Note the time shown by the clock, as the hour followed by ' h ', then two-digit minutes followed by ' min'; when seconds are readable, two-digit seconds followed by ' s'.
7 h 04 min 49 s
